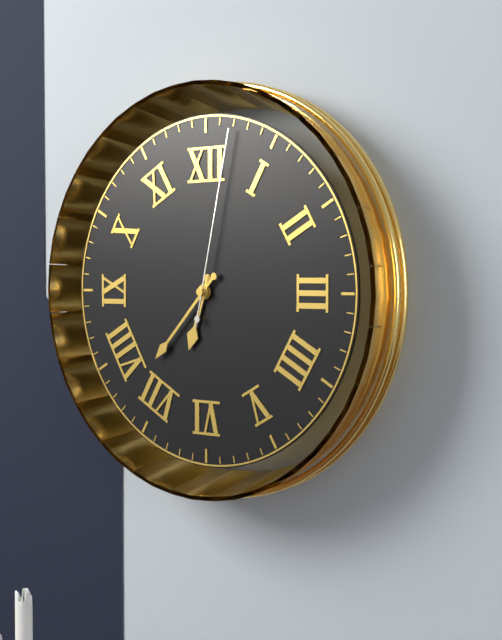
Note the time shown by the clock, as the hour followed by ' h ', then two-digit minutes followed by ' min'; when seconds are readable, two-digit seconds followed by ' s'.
6 h 37 min 02 s
